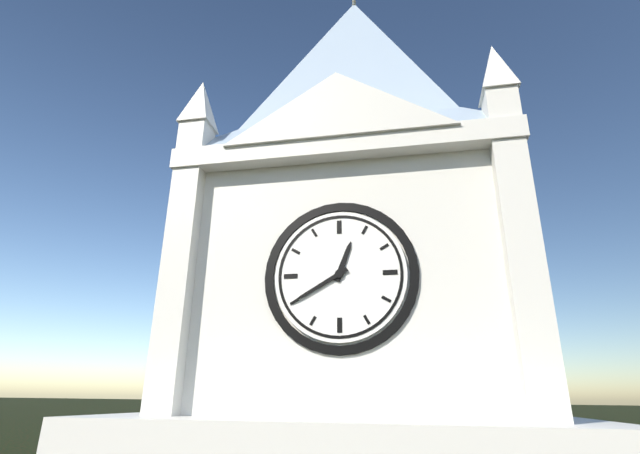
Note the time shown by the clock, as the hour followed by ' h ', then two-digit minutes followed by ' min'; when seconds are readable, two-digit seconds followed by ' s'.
12 h 40 min
